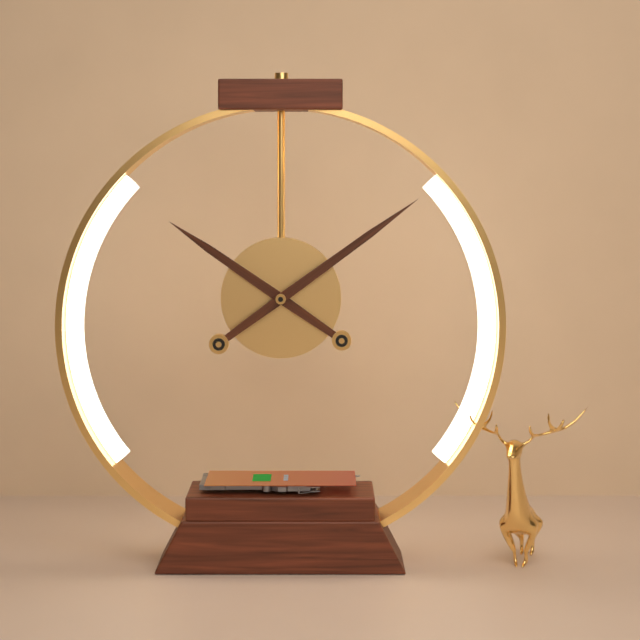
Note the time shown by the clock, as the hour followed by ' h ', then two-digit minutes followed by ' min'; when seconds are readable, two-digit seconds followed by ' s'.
10 h 09 min
